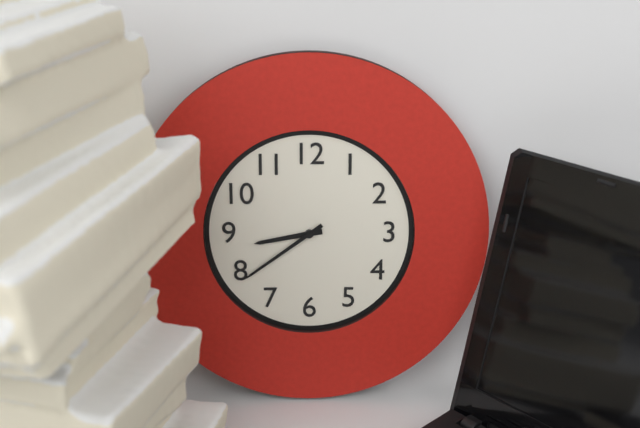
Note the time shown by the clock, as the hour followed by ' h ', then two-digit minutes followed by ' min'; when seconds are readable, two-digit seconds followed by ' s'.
8 h 39 min
